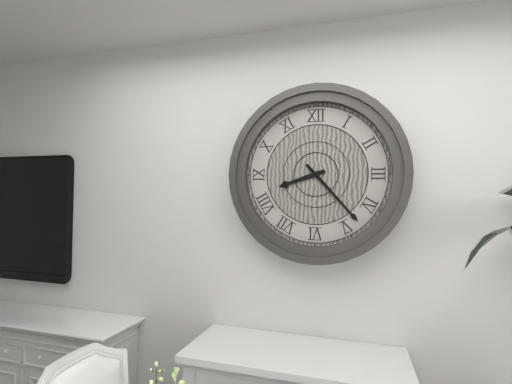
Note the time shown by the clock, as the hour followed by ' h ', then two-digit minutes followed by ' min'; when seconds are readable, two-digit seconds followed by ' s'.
8 h 23 min
